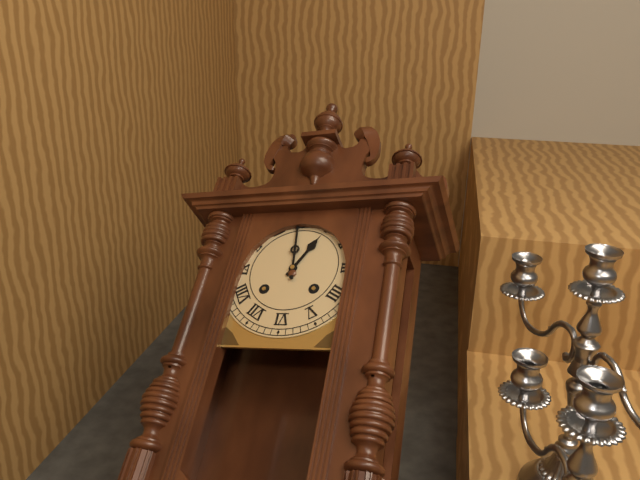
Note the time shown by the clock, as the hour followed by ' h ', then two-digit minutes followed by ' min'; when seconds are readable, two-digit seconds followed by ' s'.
12 h 59 min
